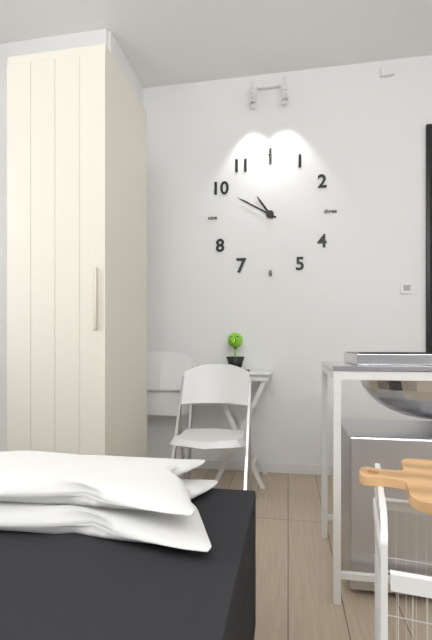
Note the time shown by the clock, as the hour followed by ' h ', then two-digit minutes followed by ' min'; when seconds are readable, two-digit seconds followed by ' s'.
10 h 50 min
